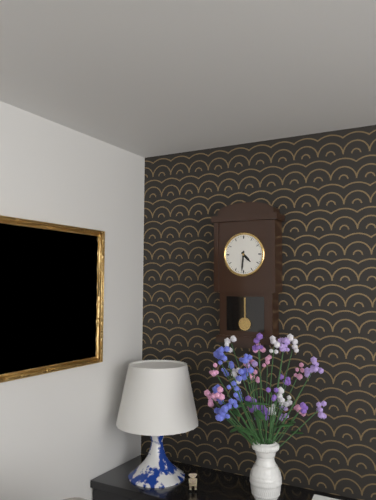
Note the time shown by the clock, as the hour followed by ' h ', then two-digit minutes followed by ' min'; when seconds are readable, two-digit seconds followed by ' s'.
4 h 31 min
